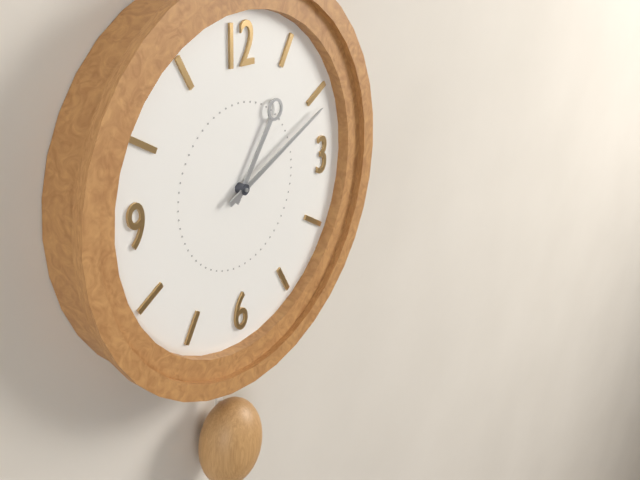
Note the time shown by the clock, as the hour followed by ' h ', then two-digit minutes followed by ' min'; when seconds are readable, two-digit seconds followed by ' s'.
1 h 11 min
